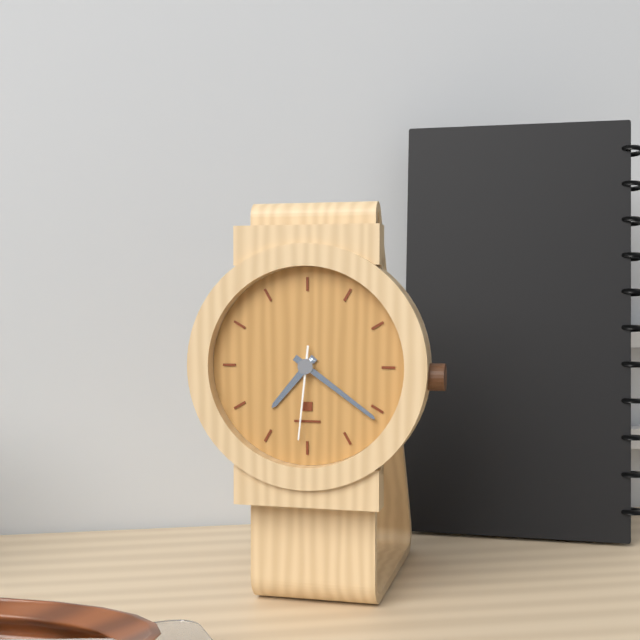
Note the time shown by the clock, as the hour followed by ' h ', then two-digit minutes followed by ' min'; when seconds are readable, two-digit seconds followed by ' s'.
7 h 21 min 31 s
